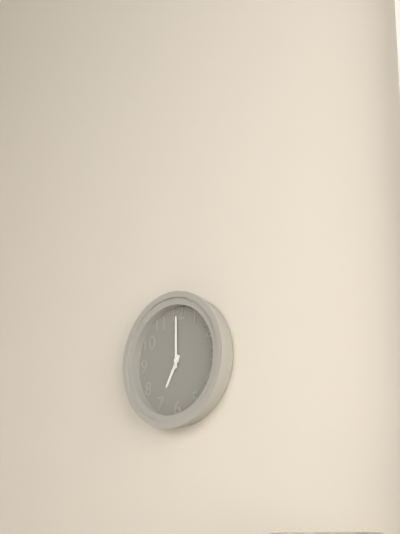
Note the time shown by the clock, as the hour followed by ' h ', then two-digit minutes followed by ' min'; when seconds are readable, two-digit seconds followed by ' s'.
7 h 00 min
